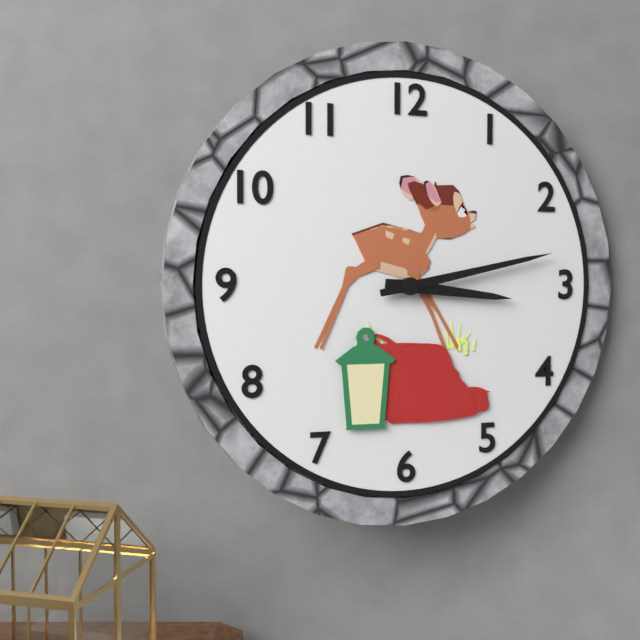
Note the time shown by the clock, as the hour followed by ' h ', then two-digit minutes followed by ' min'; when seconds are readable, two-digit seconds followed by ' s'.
3 h 13 min
